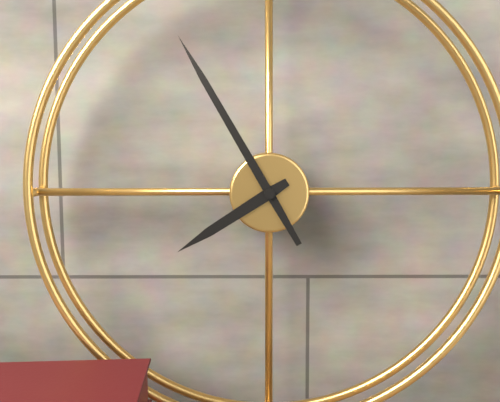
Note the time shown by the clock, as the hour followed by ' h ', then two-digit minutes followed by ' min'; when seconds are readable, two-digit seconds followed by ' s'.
7 h 55 min
